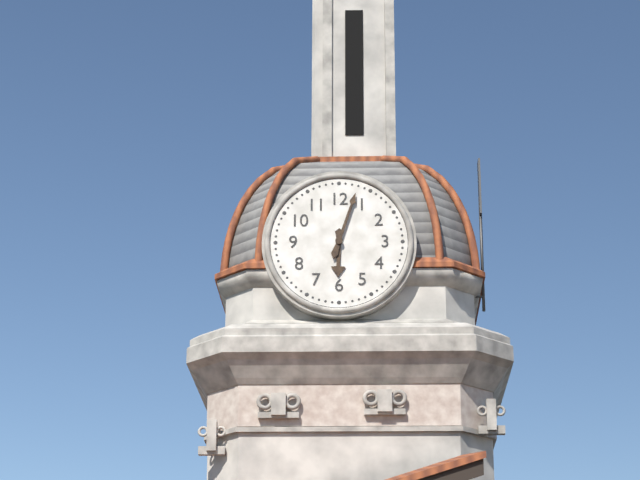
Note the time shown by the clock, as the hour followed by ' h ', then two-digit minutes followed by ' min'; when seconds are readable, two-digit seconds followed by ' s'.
6 h 03 min
